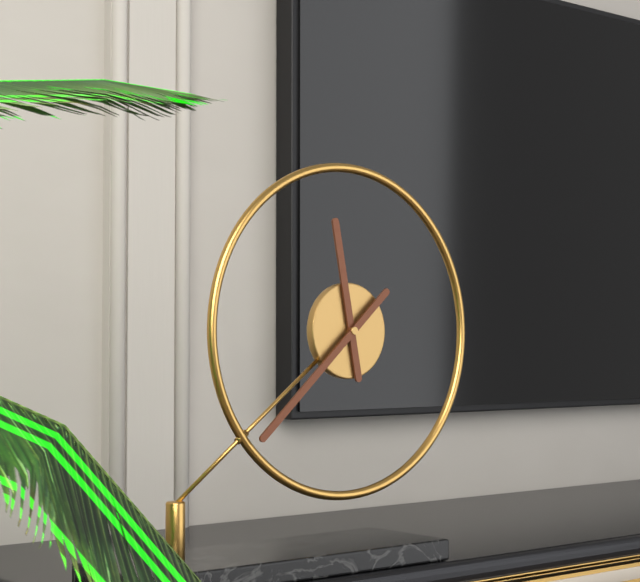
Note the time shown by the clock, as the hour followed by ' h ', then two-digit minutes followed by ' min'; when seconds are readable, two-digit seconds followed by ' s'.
11 h 38 min
